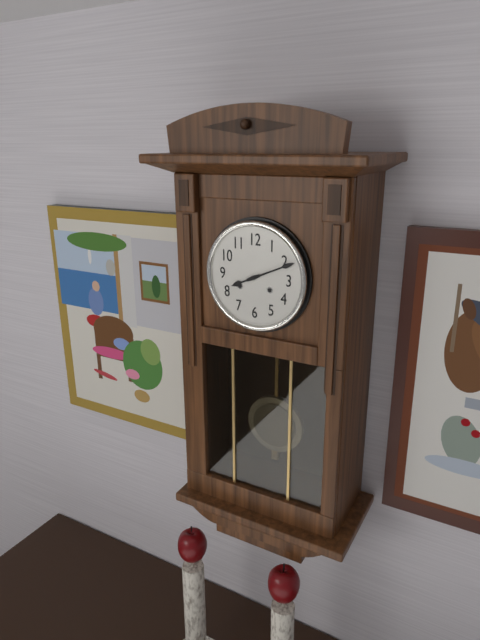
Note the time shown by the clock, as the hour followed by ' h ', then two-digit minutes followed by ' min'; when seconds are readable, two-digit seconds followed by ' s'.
8 h 11 min
